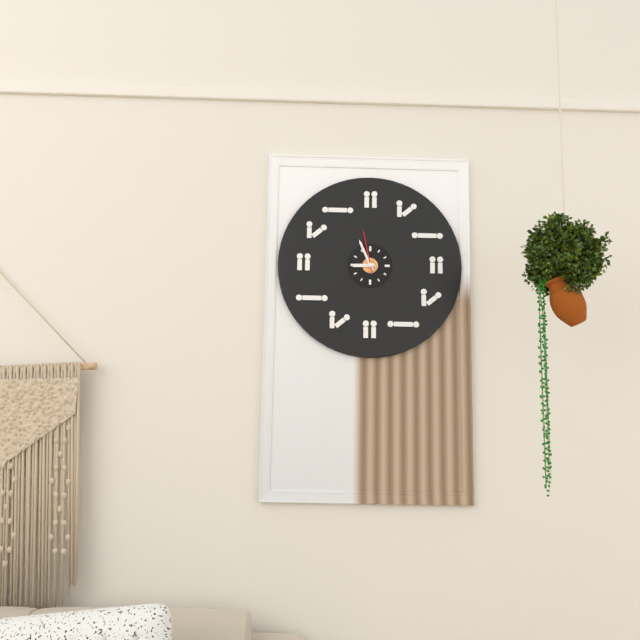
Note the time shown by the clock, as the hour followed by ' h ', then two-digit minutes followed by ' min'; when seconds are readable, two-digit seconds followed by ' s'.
8 h 56 min
